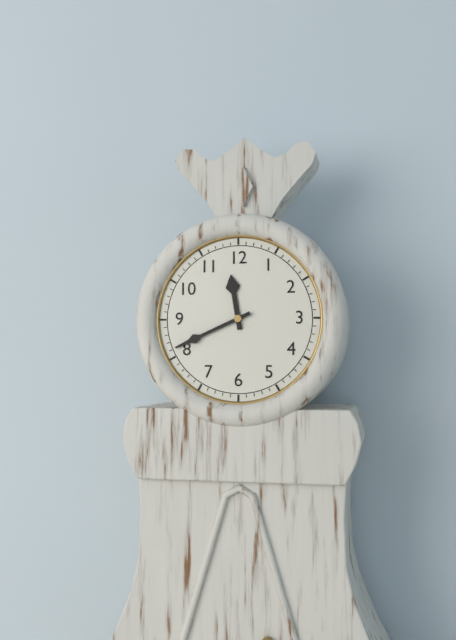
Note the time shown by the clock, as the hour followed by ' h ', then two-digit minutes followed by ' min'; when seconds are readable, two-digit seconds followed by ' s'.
11 h 41 min
